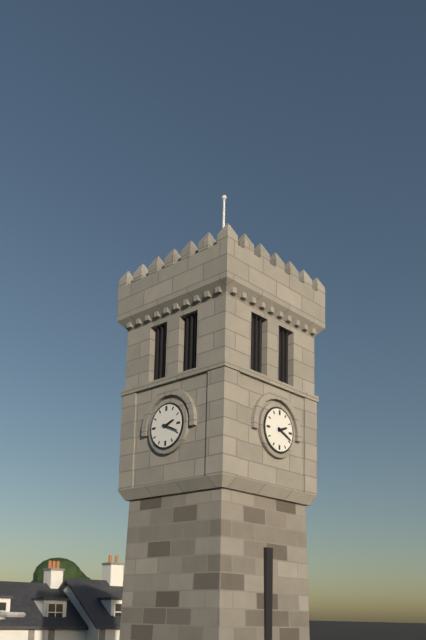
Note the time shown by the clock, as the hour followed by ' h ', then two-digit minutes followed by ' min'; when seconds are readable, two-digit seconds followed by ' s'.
2 h 19 min
